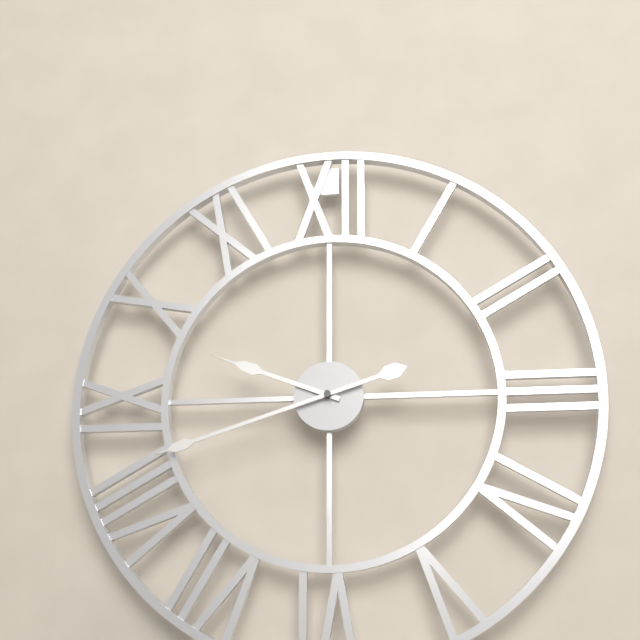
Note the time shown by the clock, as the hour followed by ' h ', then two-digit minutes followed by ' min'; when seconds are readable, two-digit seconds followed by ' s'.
9 h 42 min
